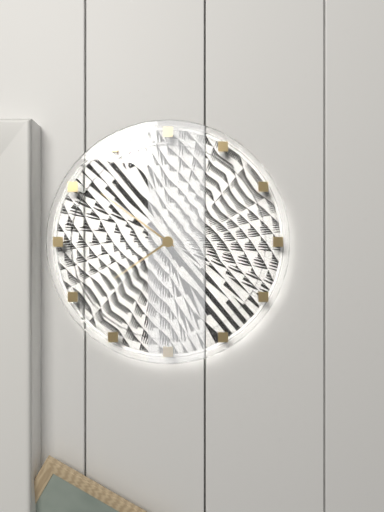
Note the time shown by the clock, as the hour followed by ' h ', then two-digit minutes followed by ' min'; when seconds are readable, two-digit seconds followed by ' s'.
7 h 51 min
